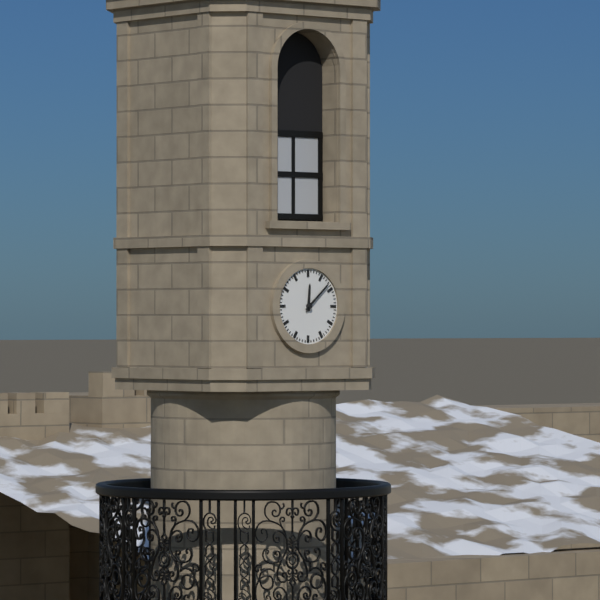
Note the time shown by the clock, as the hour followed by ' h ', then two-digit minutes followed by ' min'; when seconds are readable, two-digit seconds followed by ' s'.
12 h 08 min
